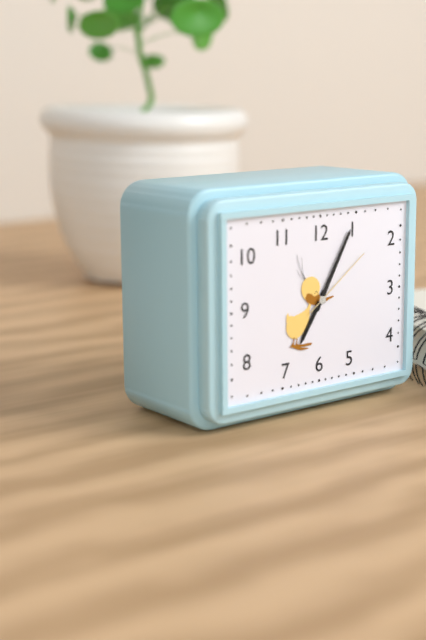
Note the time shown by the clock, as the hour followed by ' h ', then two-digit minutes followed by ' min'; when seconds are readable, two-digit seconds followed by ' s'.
7 h 05 min 09 s
